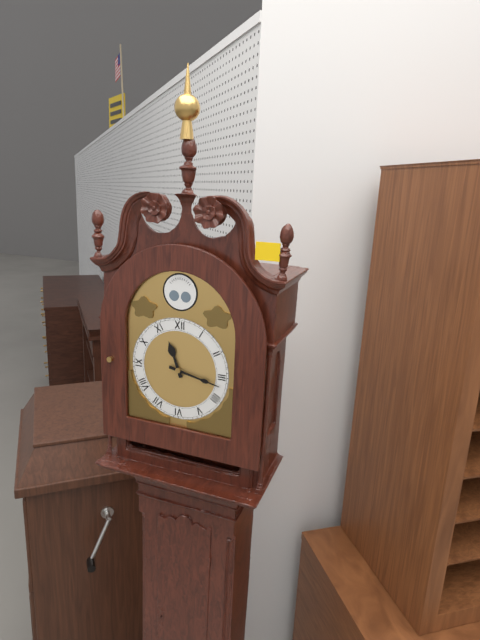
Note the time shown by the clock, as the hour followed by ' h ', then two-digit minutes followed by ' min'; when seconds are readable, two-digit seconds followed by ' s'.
11 h 17 min
